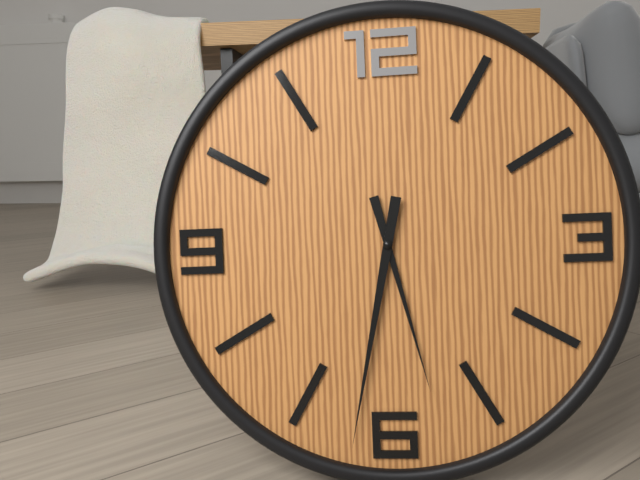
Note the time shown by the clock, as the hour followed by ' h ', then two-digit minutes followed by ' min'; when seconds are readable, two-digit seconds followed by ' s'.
5 h 32 min
